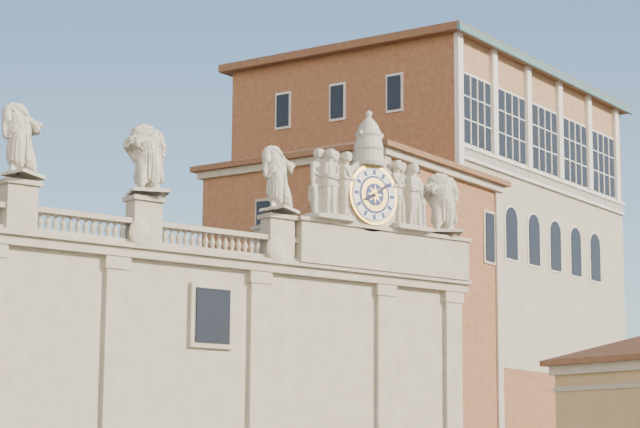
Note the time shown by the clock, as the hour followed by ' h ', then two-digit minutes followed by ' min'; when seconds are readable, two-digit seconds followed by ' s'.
8 h 09 min
